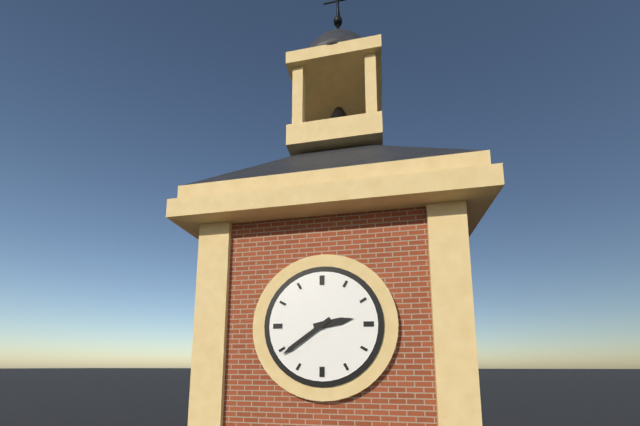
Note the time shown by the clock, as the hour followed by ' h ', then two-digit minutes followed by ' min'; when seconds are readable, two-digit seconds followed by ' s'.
2 h 39 min
